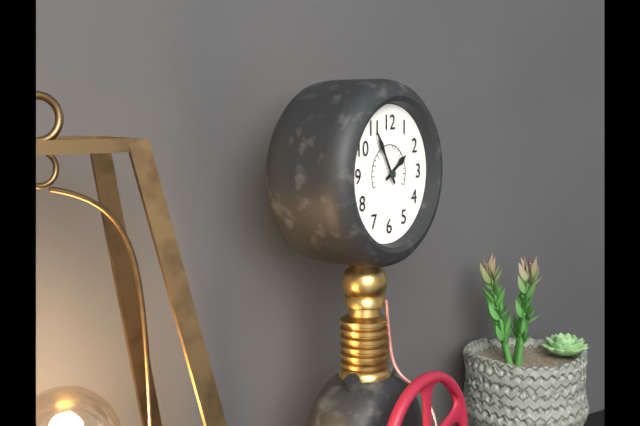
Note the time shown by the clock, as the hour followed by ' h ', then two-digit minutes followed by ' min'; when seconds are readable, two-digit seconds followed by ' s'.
1 h 55 min
